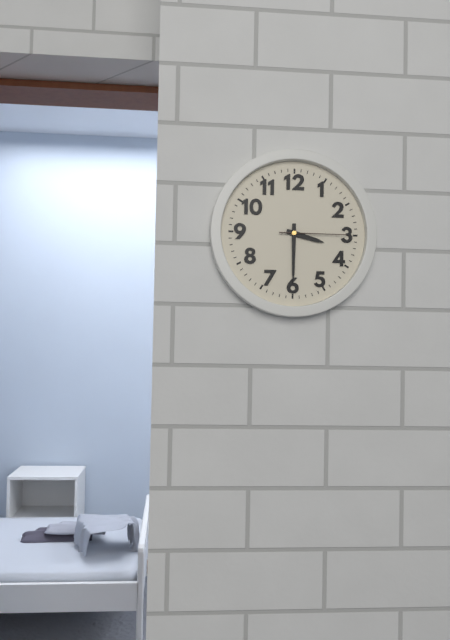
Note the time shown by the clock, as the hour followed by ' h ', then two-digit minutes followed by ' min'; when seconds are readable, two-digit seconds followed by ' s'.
3 h 30 min 15 s
